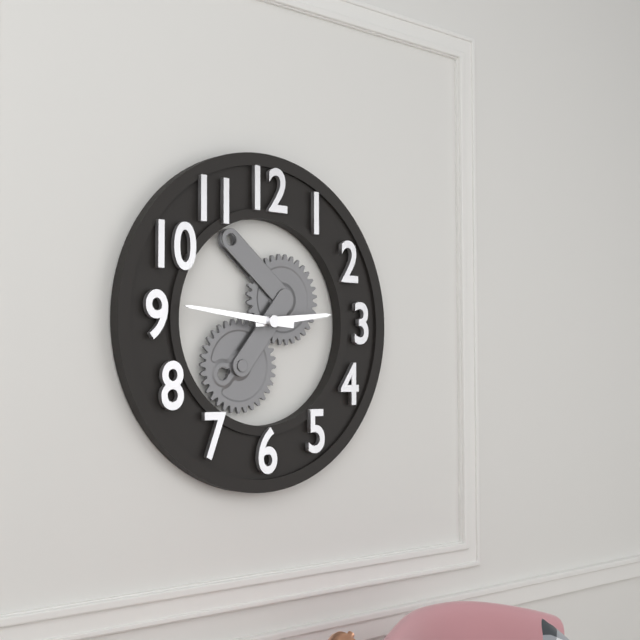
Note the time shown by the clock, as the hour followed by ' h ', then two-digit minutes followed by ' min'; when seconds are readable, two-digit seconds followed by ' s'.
2 h 46 min
